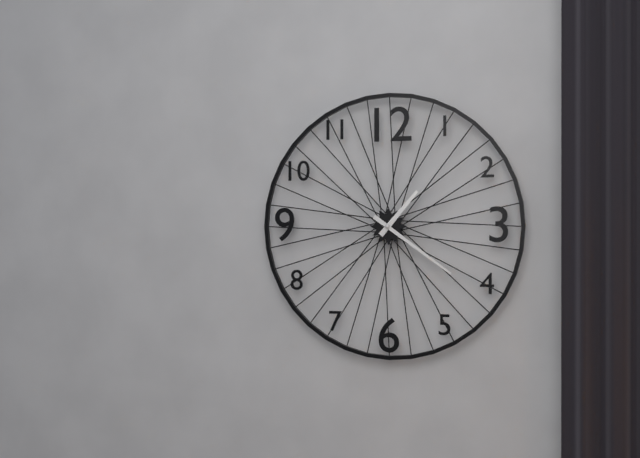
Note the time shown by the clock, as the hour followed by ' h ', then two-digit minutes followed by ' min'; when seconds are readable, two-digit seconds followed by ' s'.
1 h 21 min
